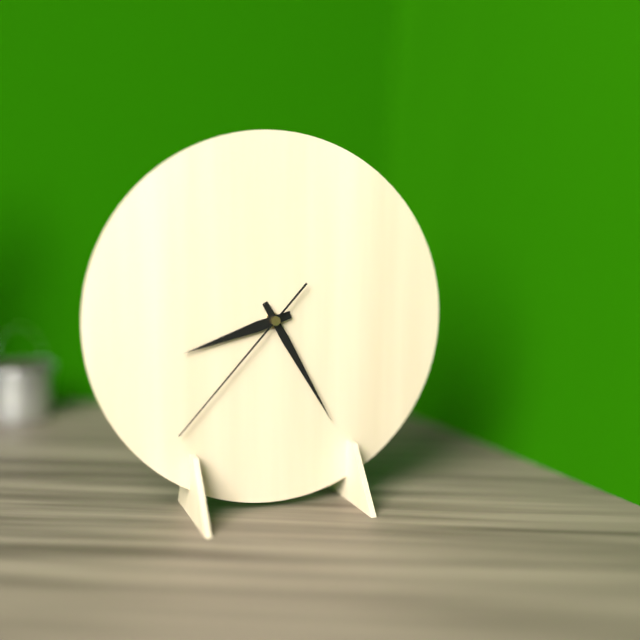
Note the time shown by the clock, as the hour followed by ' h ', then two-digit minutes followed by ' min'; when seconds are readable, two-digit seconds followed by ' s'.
8 h 25 min 37 s
